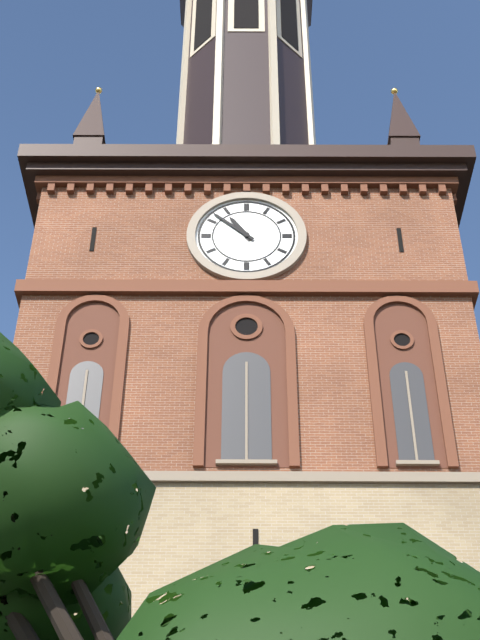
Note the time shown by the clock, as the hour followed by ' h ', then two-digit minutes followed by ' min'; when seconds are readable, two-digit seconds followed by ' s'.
10 h 52 min
